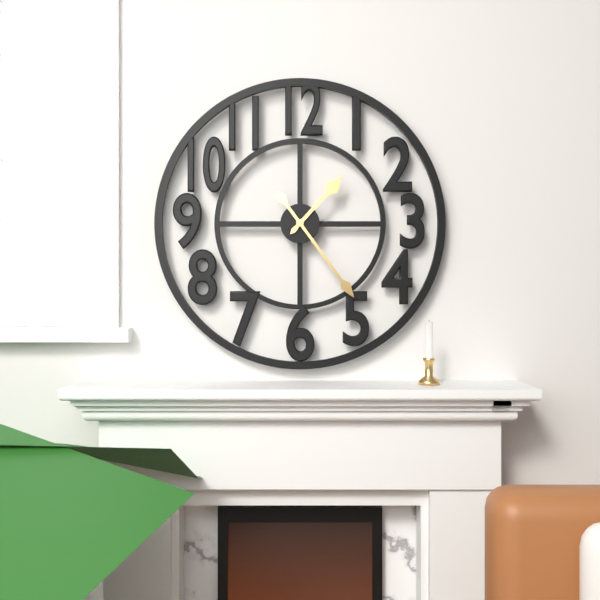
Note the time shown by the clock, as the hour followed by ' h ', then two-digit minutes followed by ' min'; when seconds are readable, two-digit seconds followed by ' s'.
1 h 24 min
